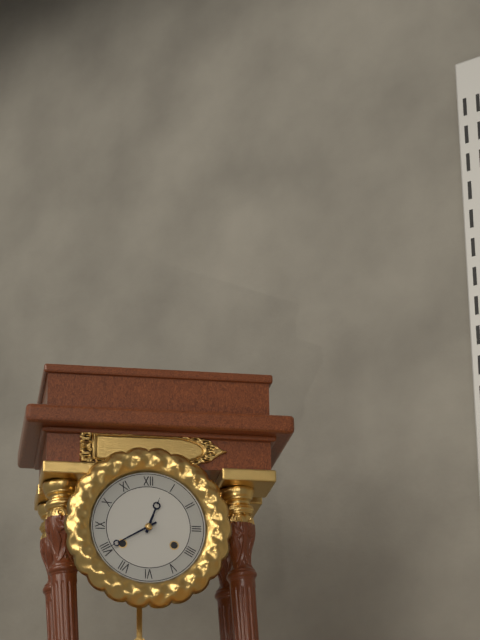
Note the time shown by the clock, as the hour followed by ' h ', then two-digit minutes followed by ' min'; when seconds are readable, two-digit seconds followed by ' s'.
12 h 40 min
